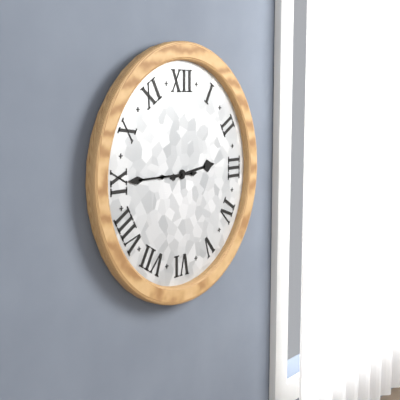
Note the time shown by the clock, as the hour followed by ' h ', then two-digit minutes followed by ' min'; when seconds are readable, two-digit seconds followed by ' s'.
2 h 45 min
